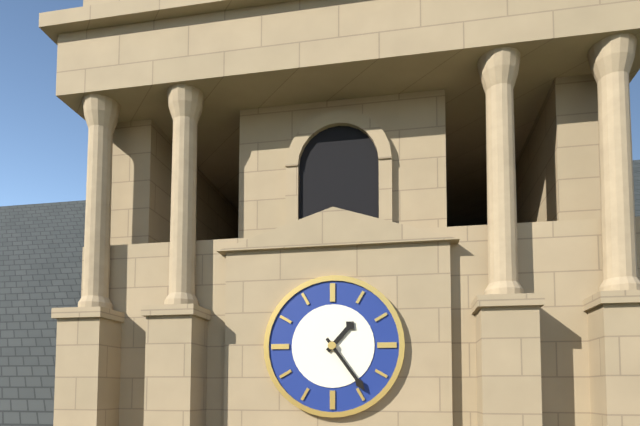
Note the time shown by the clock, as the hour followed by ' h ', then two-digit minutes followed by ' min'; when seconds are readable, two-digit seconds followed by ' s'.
1 h 24 min
